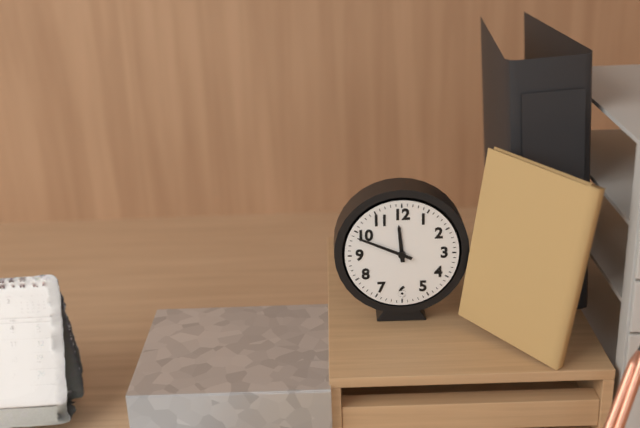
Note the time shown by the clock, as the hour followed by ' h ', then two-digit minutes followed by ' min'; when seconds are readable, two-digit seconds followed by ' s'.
11 h 49 min
